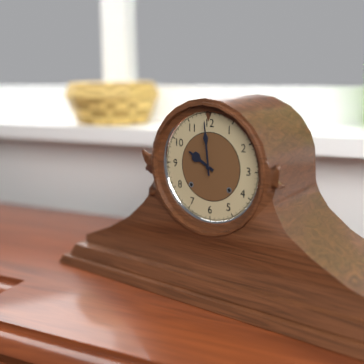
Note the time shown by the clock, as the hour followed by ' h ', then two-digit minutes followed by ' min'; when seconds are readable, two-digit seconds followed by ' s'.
9 h 59 min
